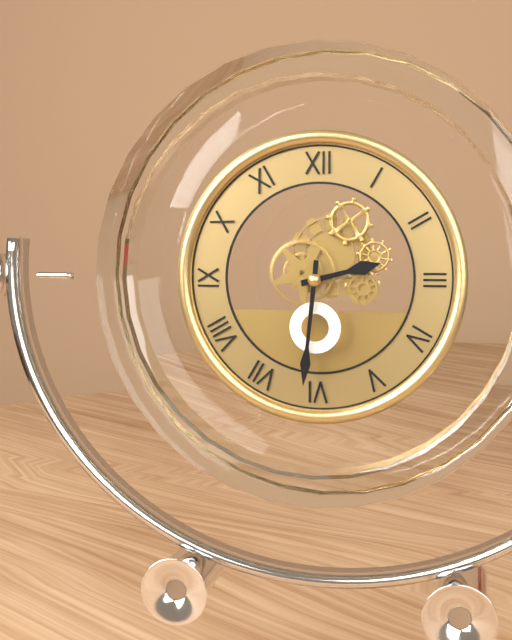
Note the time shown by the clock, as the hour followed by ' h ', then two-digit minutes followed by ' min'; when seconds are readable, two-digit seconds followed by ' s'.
2 h 31 min
